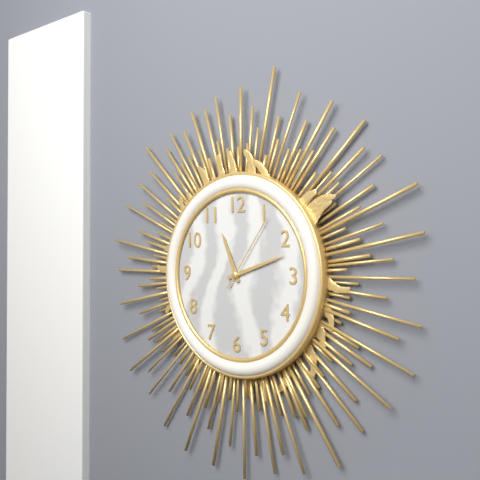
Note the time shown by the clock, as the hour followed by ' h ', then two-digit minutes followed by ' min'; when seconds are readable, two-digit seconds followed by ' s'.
11 h 12 min 06 s
